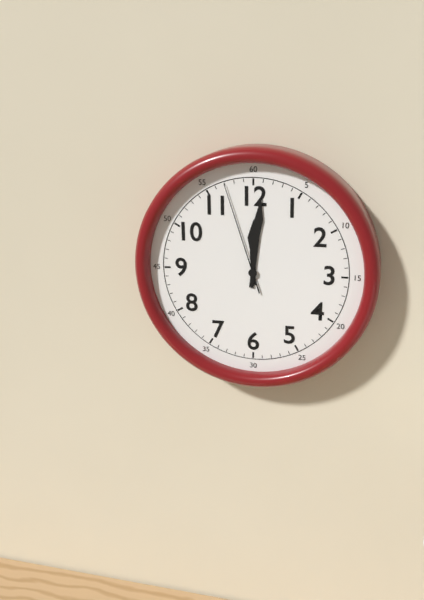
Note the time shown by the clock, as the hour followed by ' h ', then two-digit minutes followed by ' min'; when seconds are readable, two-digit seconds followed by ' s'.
12 h 01 min 57 s
